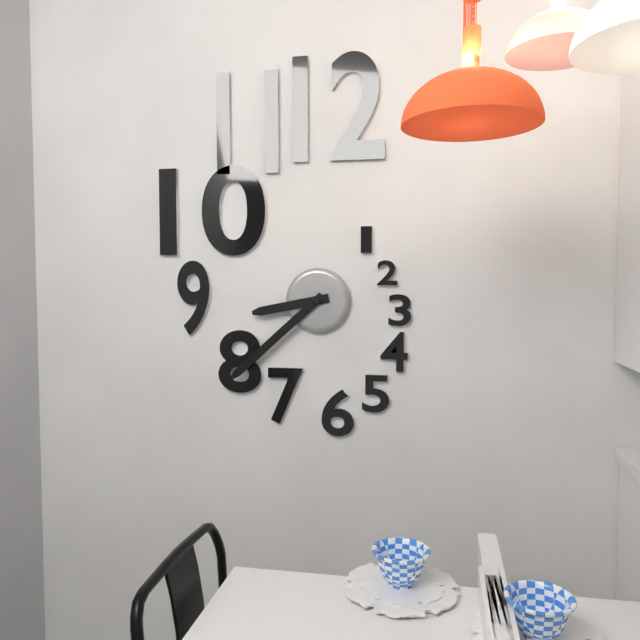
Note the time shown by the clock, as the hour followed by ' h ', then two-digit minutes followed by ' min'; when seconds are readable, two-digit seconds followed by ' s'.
8 h 38 min
